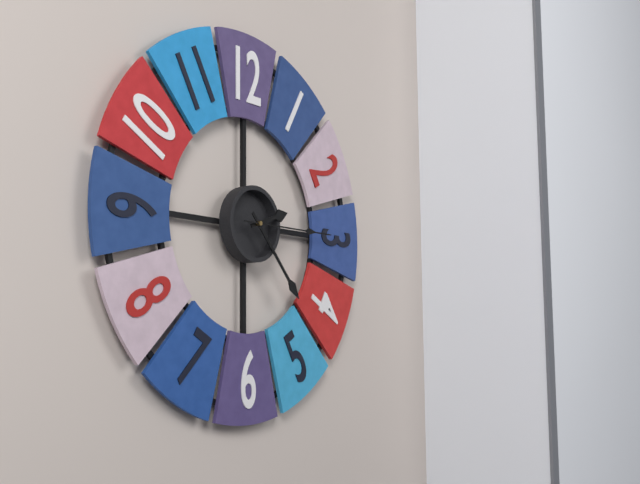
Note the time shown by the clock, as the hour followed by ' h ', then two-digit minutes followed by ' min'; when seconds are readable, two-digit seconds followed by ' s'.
2 h 23 min 15 s
